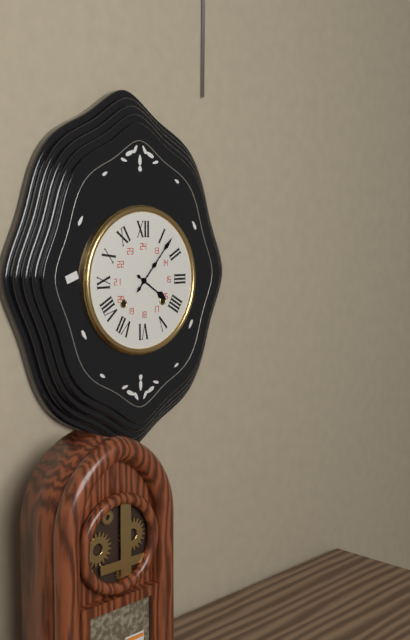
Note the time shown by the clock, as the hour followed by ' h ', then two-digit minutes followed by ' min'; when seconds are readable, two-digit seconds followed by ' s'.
4 h 07 min
